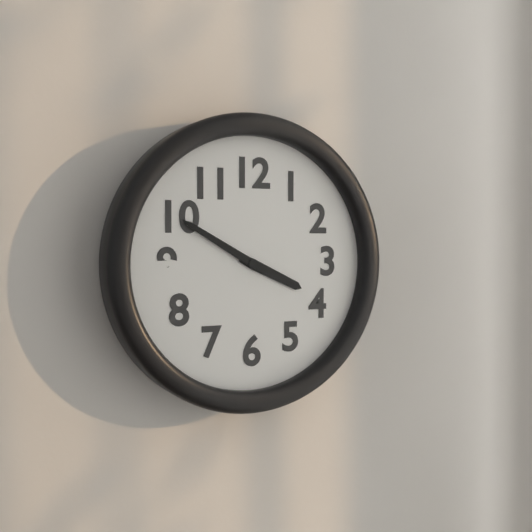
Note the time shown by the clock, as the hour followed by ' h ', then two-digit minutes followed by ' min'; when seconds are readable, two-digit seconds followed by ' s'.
3 h 50 min
